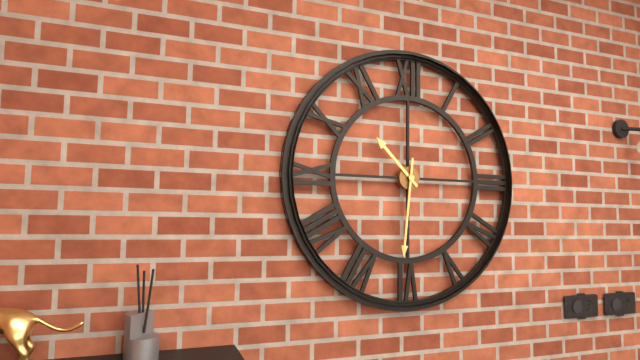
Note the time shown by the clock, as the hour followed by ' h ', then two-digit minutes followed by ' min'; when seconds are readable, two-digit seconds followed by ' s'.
10 h 31 min
